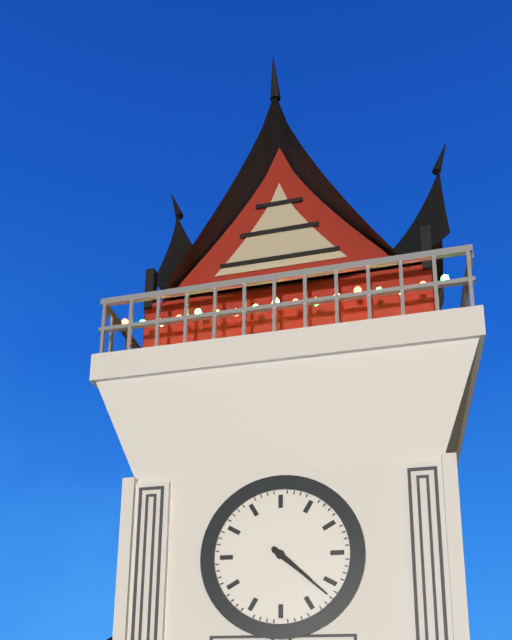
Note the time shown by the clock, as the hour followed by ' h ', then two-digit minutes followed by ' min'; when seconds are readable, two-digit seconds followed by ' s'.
4 h 22 min
